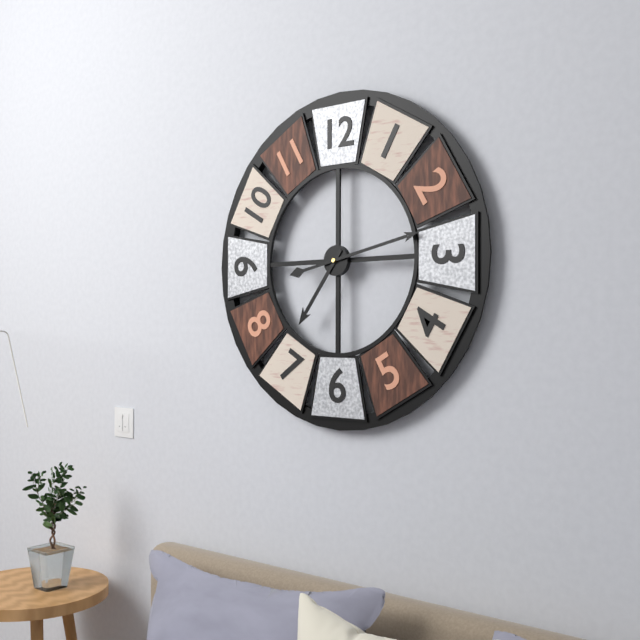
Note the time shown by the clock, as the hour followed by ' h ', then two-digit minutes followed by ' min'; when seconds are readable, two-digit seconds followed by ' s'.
7 h 13 min
